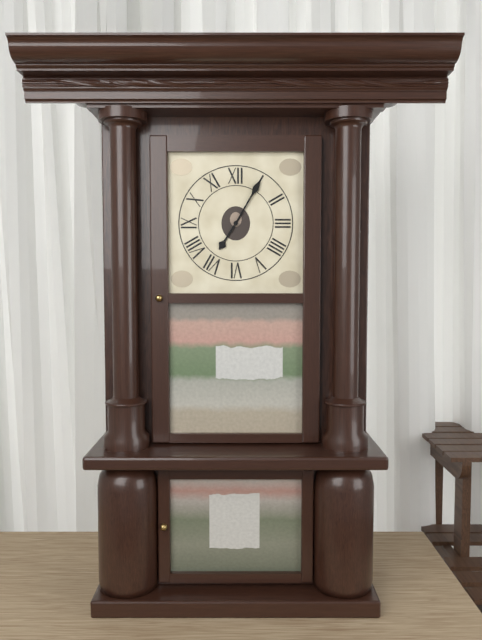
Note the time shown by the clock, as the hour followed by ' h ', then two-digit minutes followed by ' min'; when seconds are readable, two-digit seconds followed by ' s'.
7 h 05 min
